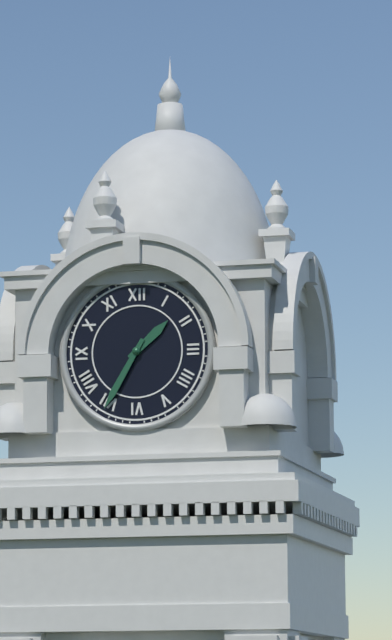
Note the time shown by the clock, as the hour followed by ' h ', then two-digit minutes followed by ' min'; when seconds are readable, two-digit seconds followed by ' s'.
1 h 35 min
